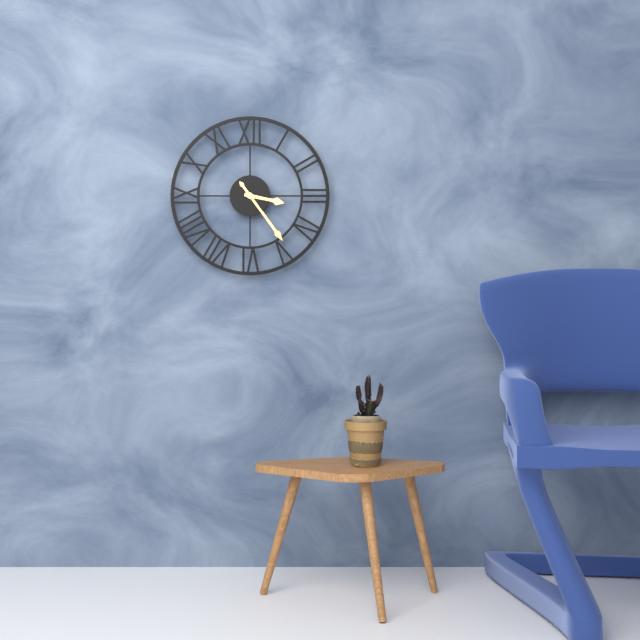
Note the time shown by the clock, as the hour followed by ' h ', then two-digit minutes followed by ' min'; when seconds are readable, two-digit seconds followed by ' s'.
3 h 24 min
